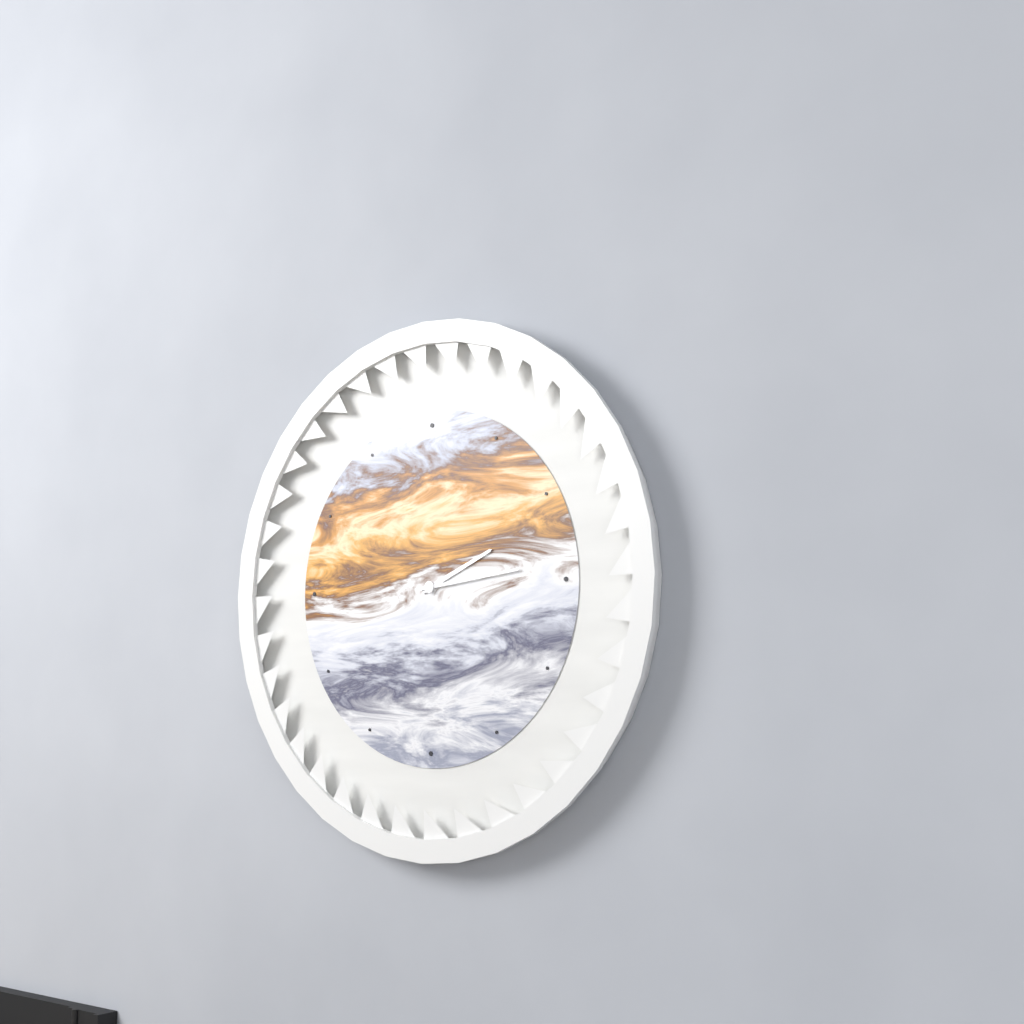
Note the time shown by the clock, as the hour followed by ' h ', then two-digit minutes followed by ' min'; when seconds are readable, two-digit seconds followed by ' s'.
2 h 14 min
